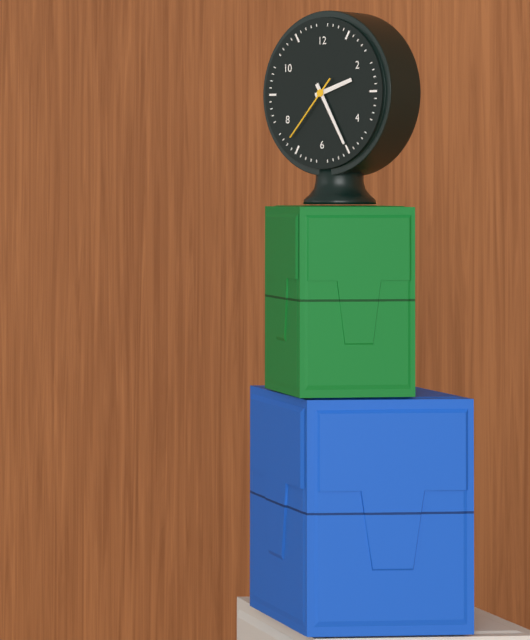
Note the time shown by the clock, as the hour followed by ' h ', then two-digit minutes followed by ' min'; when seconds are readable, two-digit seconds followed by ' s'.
2 h 25 min 37 s
